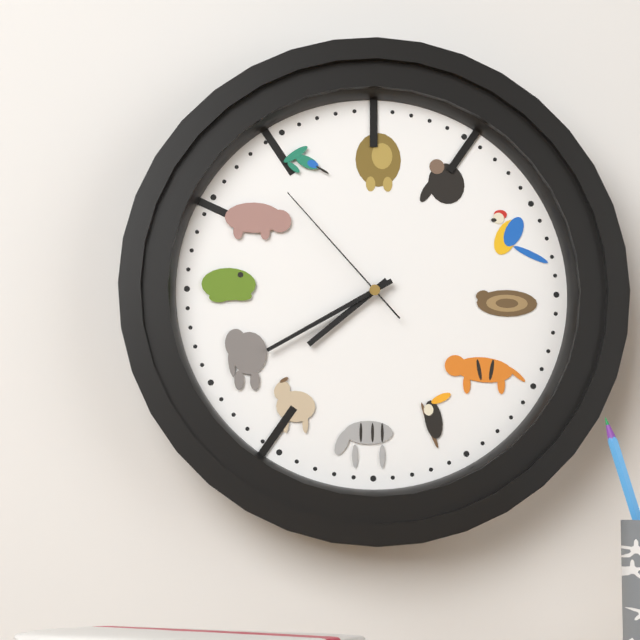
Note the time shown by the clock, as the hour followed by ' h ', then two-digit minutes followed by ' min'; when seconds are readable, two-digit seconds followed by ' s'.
7 h 40 min 53 s
